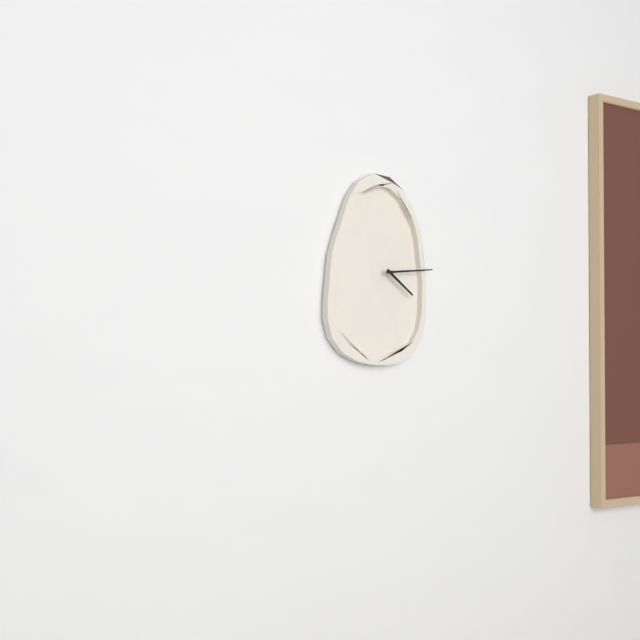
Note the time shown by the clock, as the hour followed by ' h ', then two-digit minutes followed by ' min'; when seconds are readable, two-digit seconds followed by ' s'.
4 h 14 min
